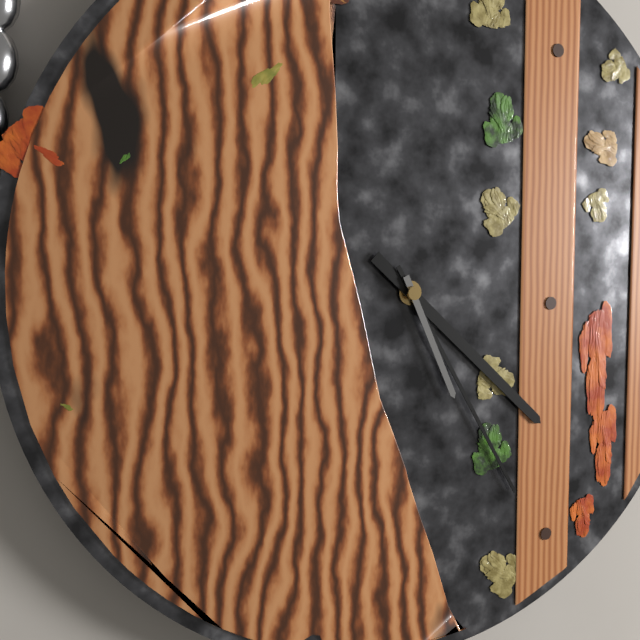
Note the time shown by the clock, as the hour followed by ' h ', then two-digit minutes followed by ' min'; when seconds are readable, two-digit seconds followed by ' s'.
4 h 25 min 26 s
